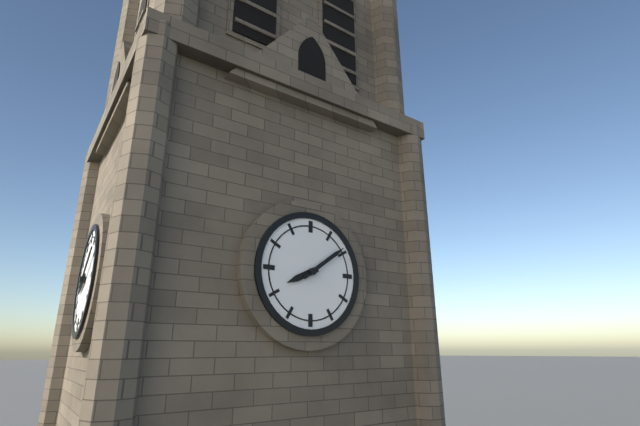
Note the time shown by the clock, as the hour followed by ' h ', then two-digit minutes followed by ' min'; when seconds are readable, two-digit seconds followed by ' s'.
8 h 09 min
